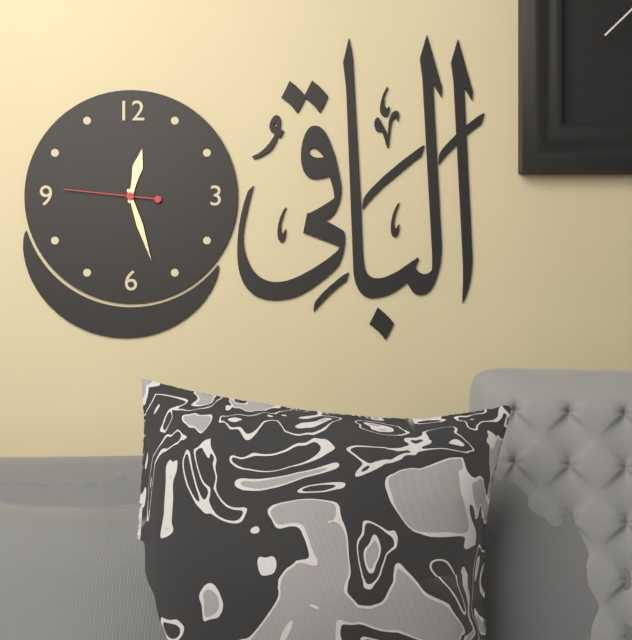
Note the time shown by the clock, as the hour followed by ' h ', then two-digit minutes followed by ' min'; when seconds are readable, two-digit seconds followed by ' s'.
12 h 27 min 46 s
